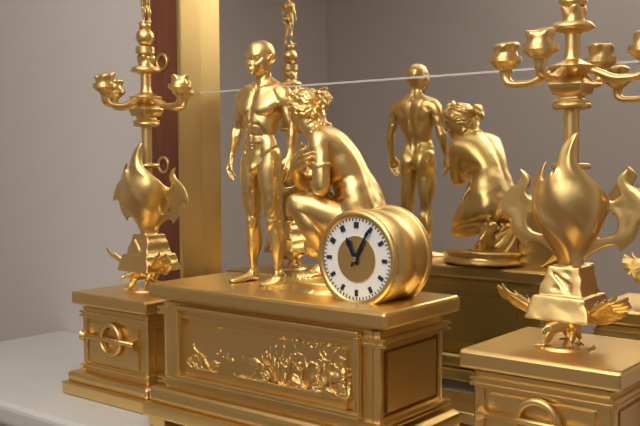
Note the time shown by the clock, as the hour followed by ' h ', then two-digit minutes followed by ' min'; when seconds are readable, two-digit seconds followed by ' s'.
11 h 05 min
